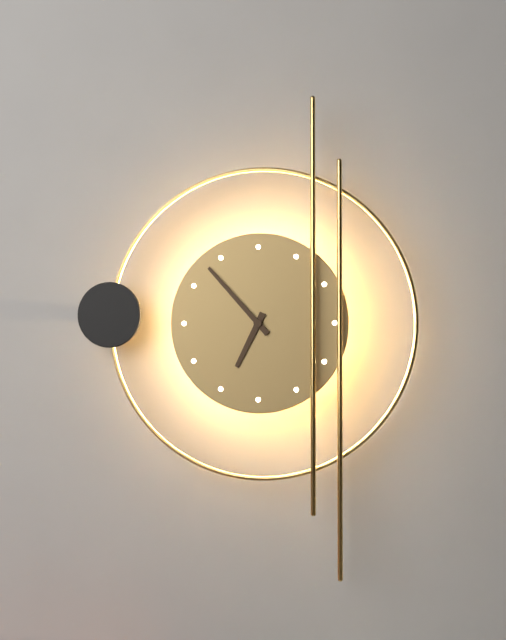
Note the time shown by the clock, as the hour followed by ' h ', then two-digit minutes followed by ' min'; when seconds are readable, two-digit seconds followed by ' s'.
6 h 53 min
